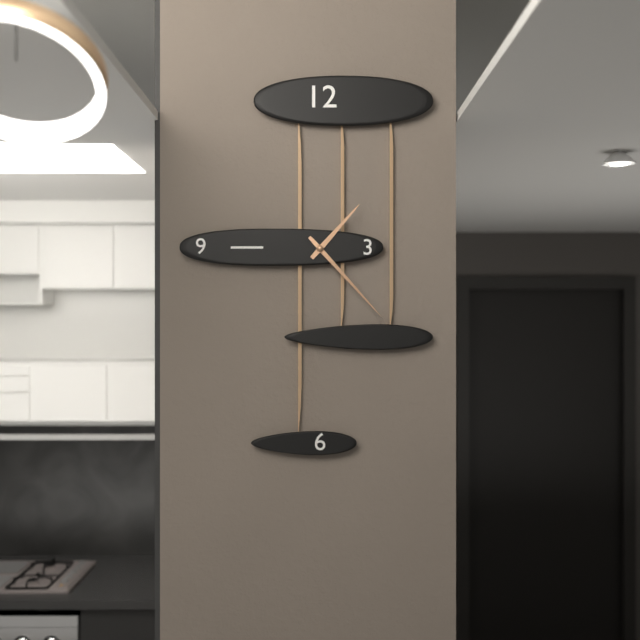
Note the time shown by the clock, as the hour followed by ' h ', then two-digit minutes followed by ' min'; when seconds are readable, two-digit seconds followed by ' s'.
1 h 23 min
